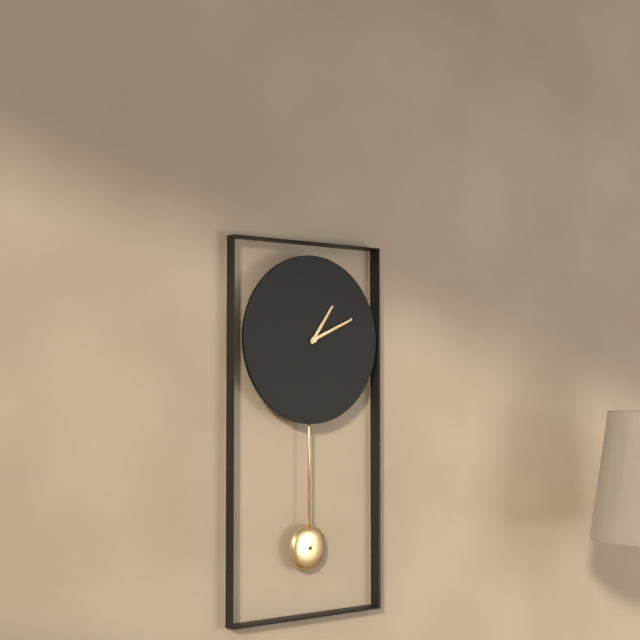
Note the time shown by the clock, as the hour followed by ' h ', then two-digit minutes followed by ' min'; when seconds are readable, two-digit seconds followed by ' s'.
1 h 11 min
